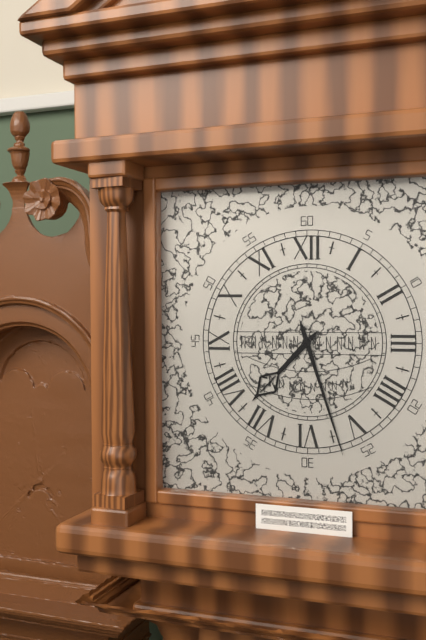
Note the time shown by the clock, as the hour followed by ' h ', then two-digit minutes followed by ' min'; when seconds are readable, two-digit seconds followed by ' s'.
7 h 27 min
